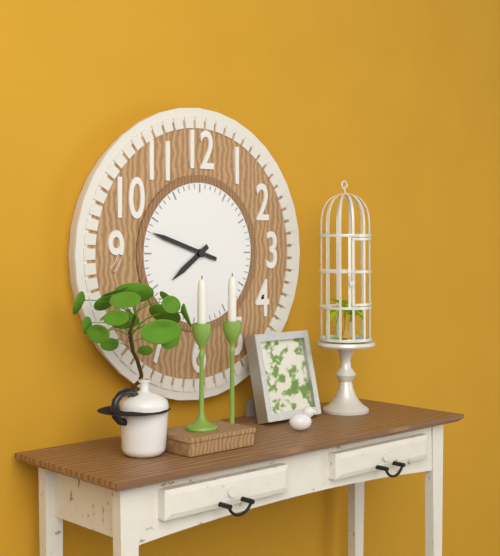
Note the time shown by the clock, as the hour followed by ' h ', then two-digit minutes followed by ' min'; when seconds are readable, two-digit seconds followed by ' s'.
7 h 48 min
